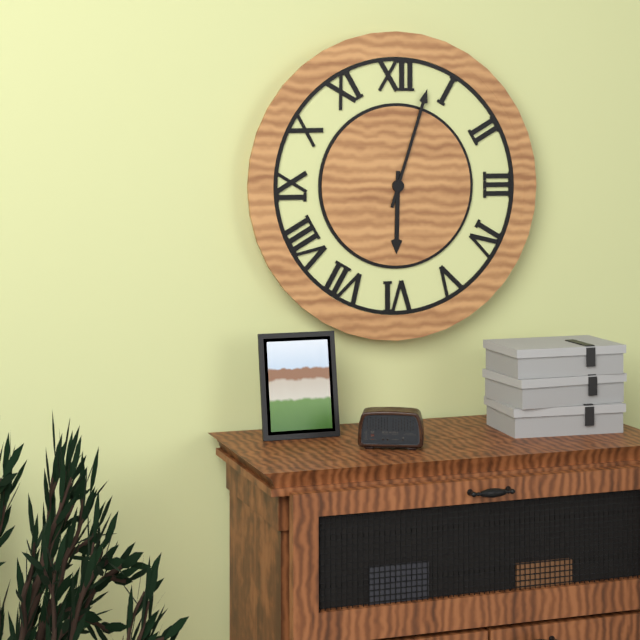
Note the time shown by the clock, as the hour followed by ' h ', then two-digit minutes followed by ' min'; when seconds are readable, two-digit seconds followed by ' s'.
6 h 03 min
